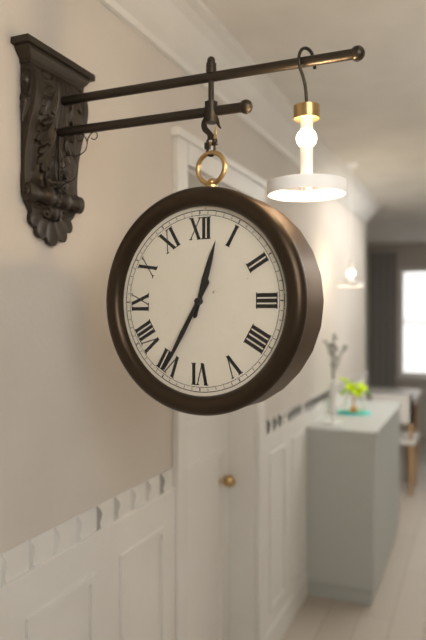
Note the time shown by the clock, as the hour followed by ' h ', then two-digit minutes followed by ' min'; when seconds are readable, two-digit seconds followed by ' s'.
12 h 35 min
